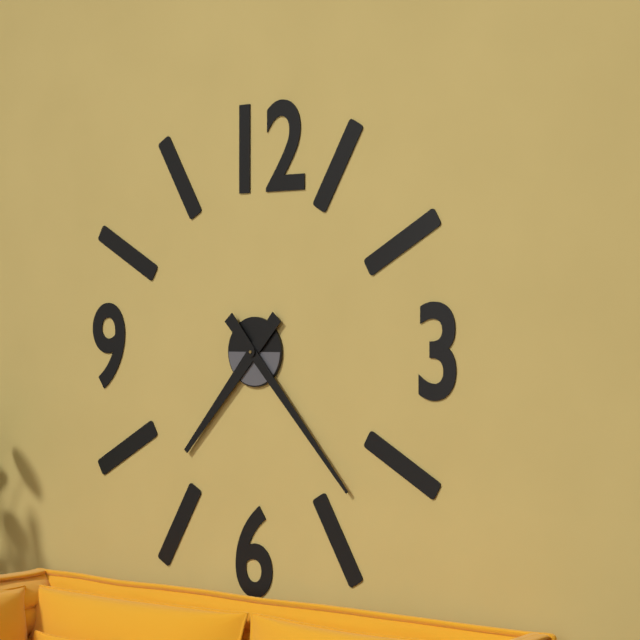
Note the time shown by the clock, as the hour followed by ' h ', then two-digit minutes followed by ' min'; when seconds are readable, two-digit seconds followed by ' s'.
7 h 23 min
